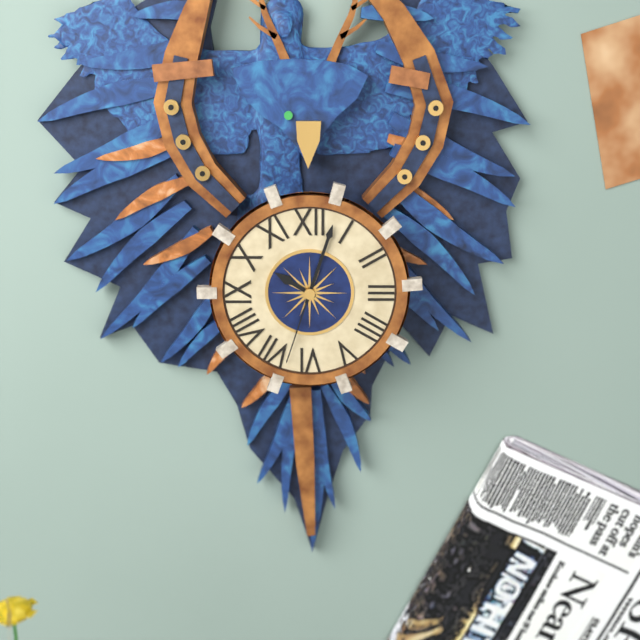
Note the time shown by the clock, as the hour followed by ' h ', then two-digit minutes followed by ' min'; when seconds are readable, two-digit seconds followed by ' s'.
10 h 03 min 33 s
